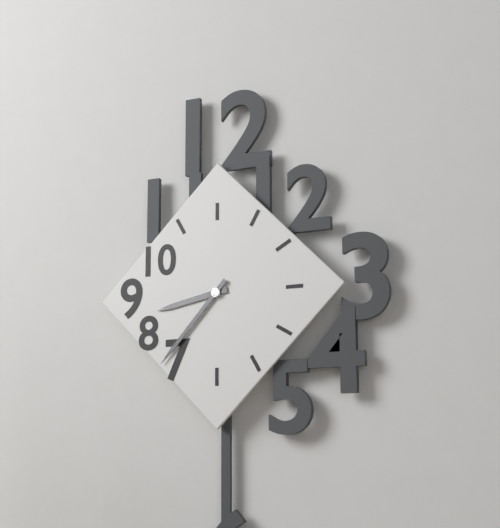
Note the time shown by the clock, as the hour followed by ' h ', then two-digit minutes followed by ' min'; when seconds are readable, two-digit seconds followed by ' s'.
8 h 37 min
